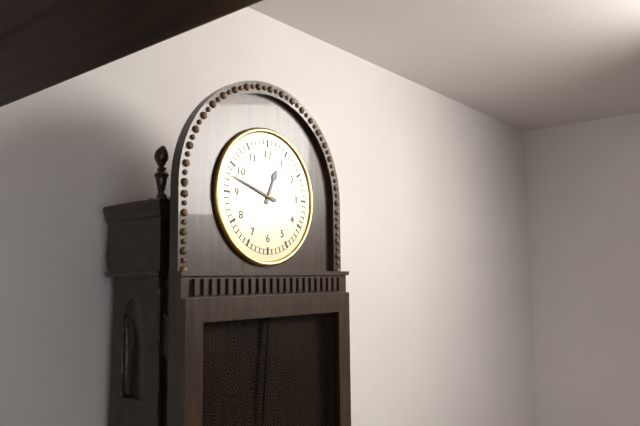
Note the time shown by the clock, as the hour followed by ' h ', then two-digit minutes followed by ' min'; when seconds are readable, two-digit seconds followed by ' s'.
12 h 48 min
